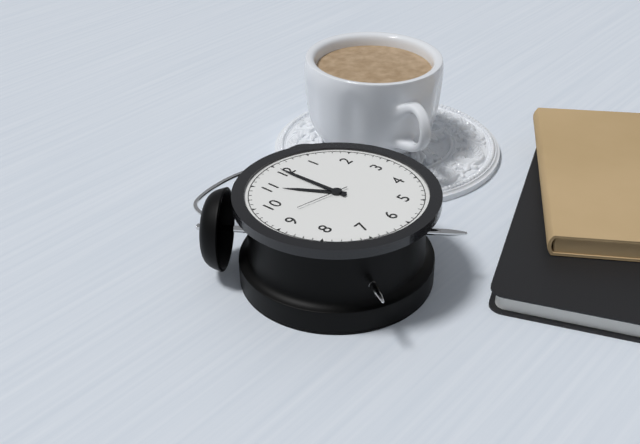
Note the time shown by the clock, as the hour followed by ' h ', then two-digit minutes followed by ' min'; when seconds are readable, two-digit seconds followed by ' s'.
11 h 00 min 47 s
